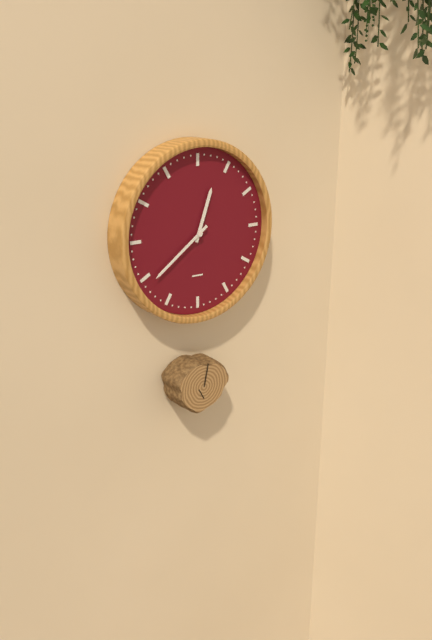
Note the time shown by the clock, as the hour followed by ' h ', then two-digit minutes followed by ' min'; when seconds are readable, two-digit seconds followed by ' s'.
12 h 39 min
